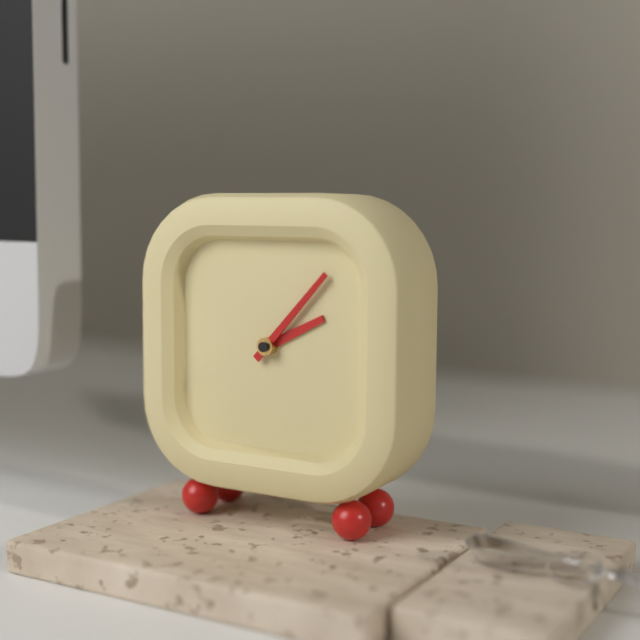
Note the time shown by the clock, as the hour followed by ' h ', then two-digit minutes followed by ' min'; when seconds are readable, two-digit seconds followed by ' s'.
2 h 07 min
